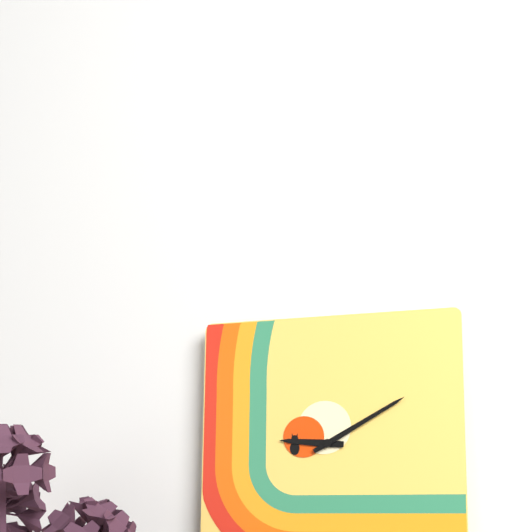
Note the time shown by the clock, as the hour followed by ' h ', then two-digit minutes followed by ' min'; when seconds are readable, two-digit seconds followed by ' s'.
9 h 10 min
